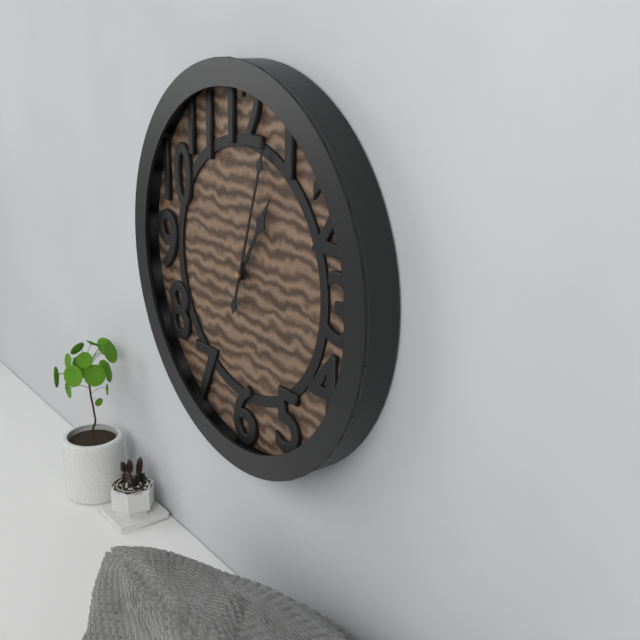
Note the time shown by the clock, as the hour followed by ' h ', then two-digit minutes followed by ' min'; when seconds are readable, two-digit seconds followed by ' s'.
1 h 03 min
